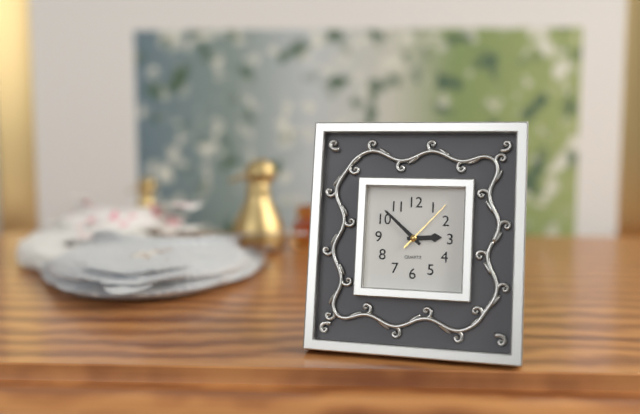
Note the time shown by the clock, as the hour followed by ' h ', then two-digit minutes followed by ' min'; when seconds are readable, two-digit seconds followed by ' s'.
2 h 52 min 07 s
